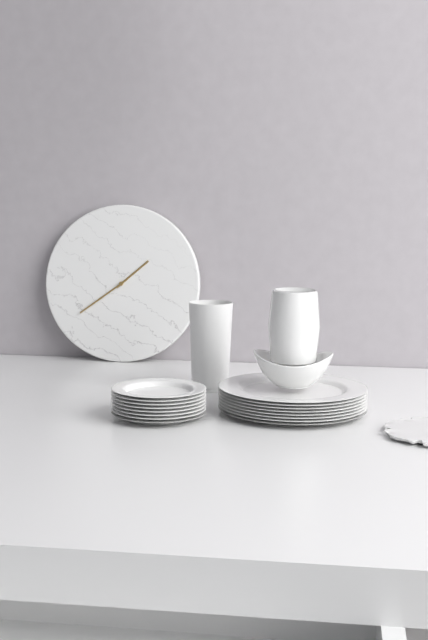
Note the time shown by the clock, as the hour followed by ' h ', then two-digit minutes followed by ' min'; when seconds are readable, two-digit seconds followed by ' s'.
1 h 39 min
